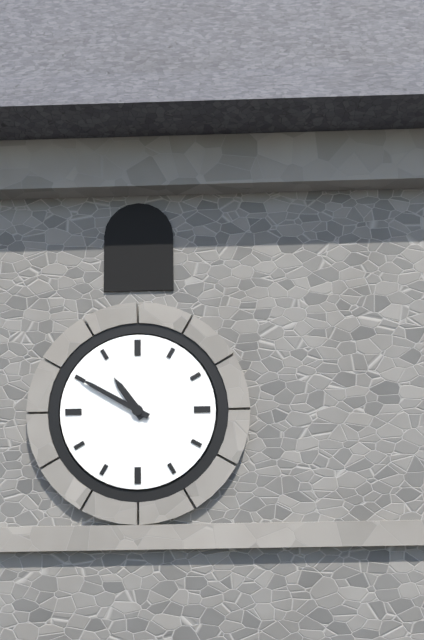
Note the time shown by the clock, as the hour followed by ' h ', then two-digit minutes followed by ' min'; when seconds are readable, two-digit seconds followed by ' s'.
10 h 50 min
